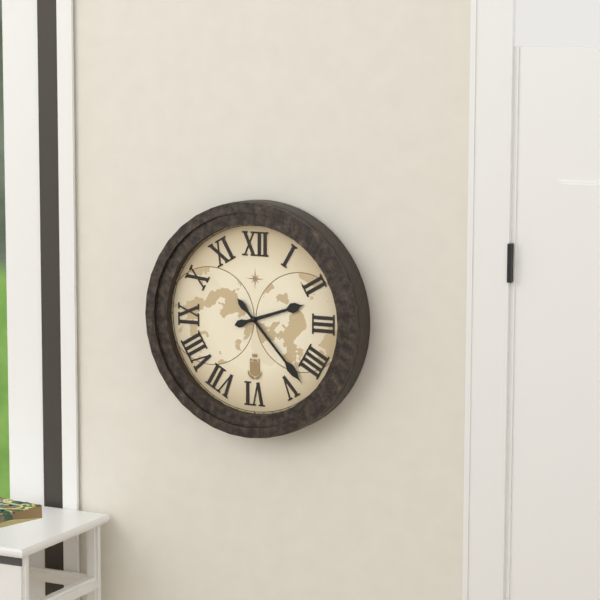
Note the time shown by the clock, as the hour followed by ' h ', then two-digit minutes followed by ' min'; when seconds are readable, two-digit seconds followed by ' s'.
2 h 23 min
